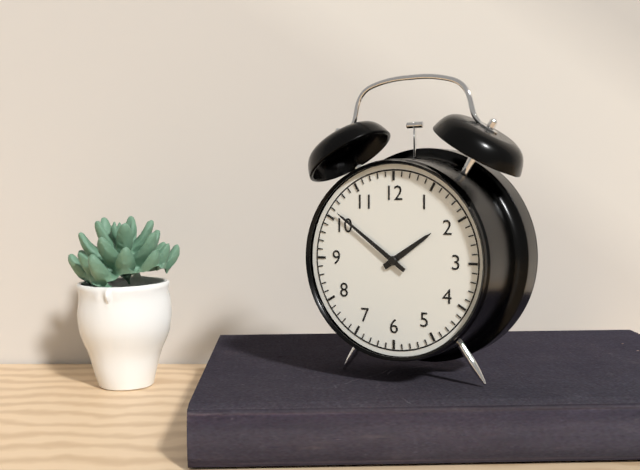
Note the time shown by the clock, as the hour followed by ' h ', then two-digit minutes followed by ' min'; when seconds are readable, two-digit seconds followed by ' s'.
1 h 51 min
